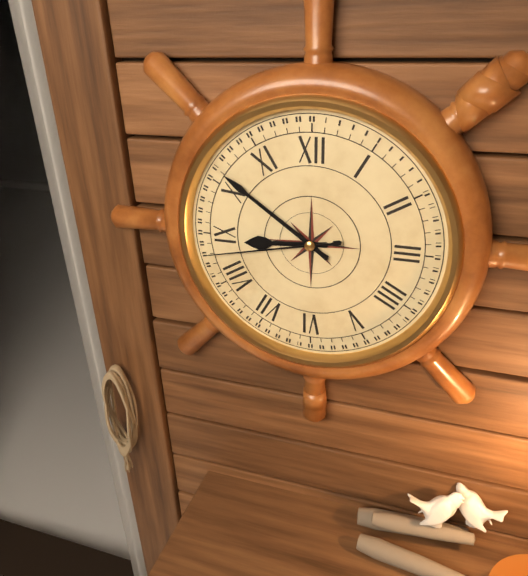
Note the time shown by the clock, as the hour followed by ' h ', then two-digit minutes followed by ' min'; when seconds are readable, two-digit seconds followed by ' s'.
8 h 51 min 43 s
